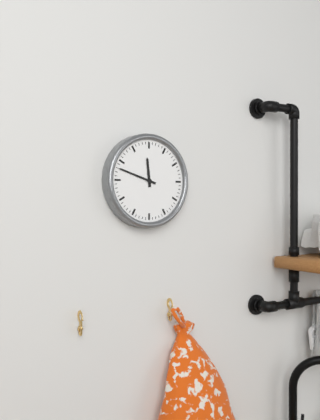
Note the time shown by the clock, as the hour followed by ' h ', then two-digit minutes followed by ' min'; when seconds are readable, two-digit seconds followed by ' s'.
11 h 48 min
